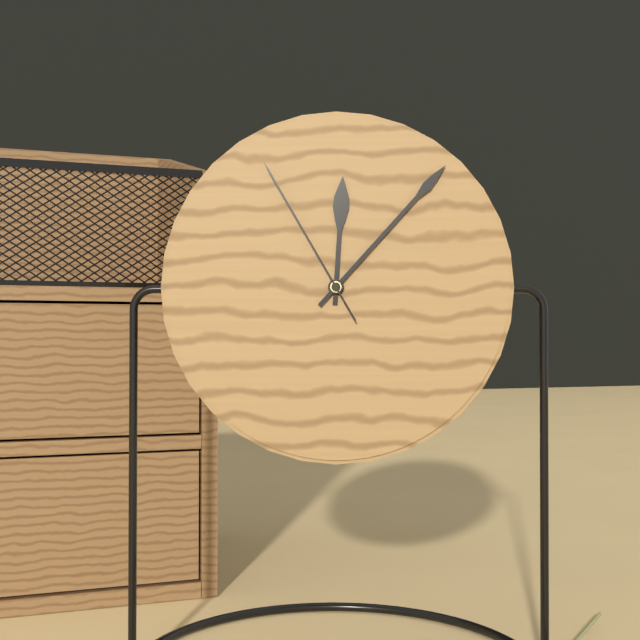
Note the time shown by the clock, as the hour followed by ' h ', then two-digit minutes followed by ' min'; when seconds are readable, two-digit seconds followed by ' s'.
12 h 07 min 55 s
